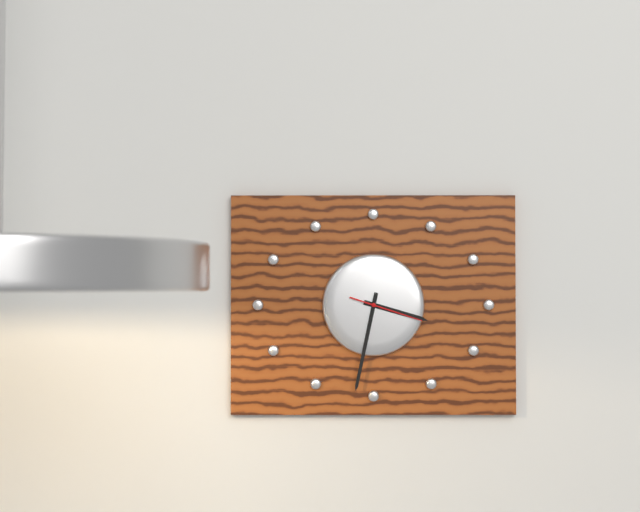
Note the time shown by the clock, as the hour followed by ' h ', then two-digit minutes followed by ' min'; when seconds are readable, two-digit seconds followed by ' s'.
3 h 32 min 18 s
